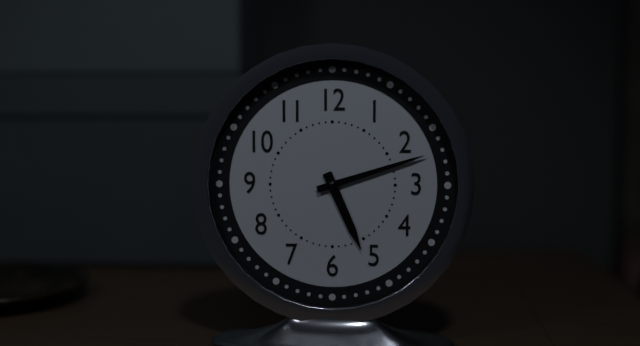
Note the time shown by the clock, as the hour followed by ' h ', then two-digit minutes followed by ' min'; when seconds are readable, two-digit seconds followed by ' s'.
5 h 12 min
